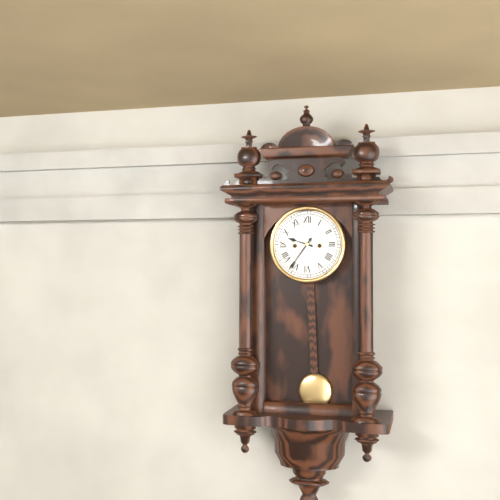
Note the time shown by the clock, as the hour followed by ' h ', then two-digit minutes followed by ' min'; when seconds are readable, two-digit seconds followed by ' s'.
9 h 36 min
